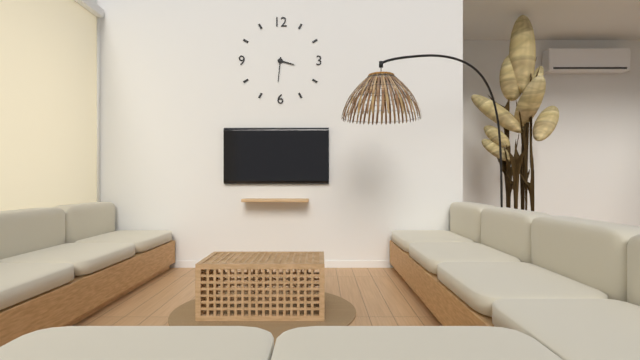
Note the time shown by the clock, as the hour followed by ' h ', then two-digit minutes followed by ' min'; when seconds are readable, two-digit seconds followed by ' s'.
3 h 31 min
